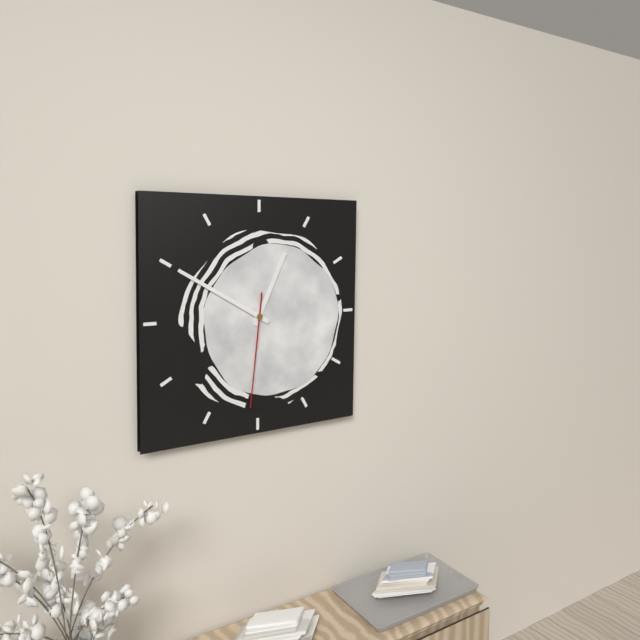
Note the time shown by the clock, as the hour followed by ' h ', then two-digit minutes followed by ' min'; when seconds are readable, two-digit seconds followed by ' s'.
12 h 50 min 31 s
